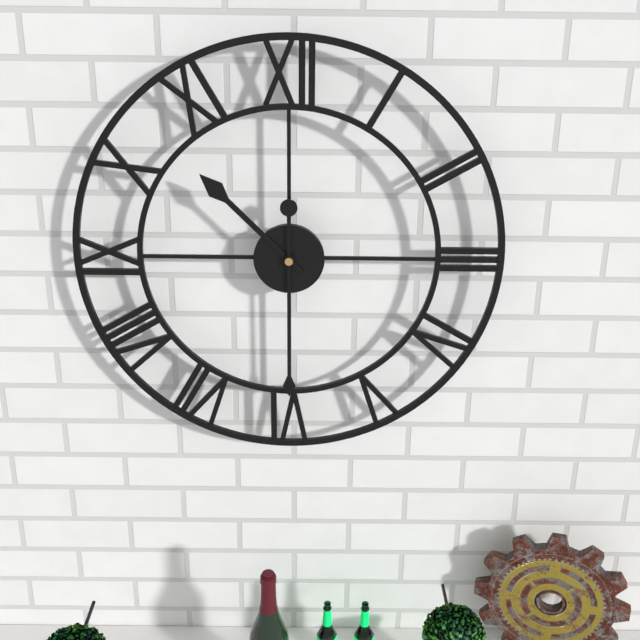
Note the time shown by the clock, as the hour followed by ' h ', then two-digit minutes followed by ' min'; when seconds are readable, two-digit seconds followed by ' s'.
10 h 30 min
